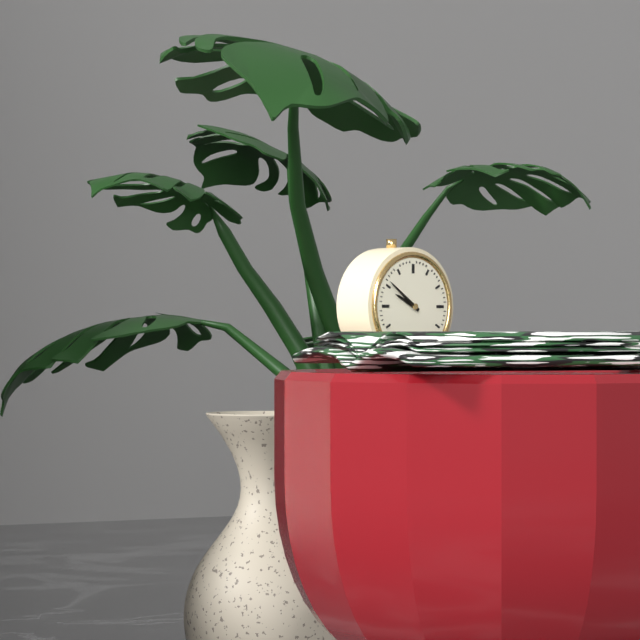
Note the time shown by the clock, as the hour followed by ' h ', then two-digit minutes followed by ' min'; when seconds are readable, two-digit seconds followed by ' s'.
9 h 51 min
